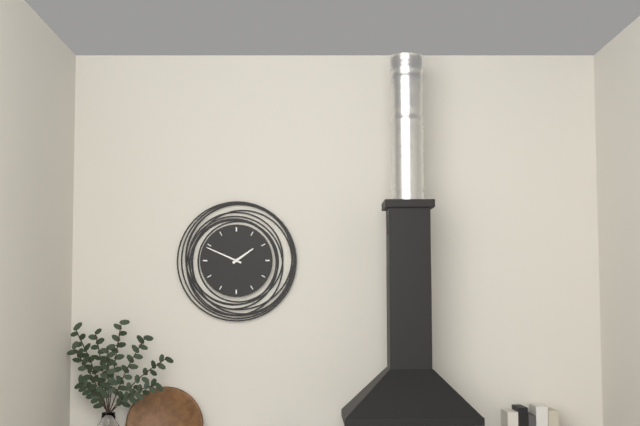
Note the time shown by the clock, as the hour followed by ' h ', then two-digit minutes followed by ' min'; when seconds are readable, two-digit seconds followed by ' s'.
1 h 49 min
